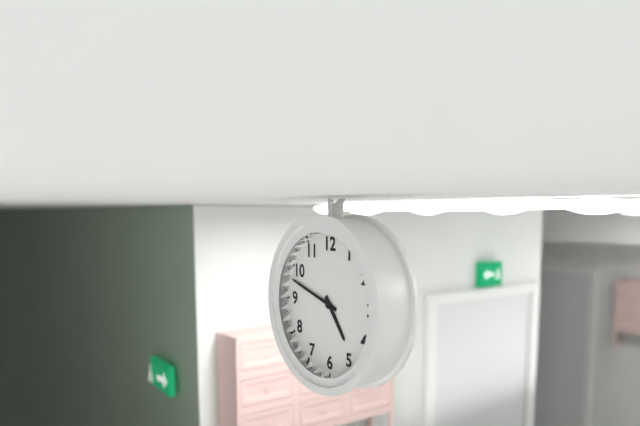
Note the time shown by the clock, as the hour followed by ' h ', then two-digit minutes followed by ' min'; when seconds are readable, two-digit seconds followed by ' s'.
4 h 48 min
